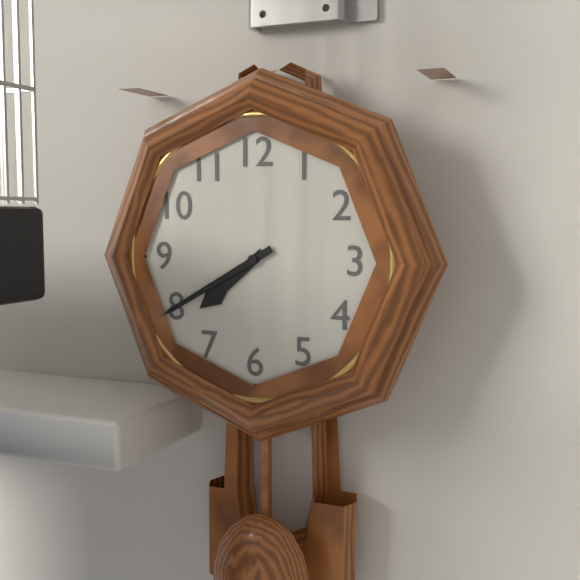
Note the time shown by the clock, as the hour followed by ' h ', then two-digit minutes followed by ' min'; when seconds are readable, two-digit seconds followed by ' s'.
7 h 40 min
